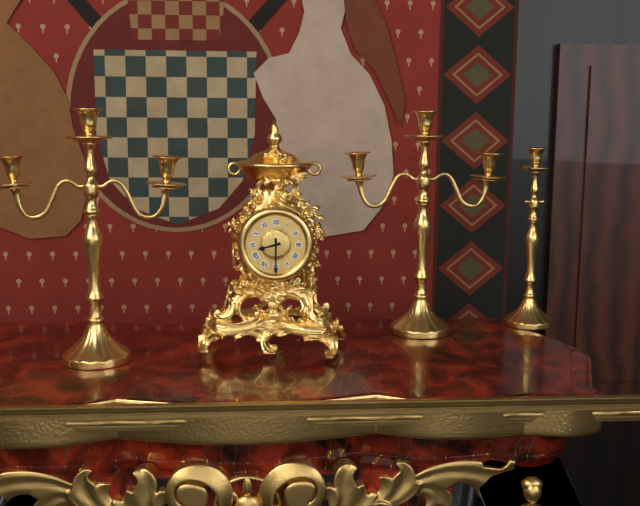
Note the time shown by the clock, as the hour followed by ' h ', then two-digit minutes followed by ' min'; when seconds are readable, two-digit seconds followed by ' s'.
8 h 30 min
